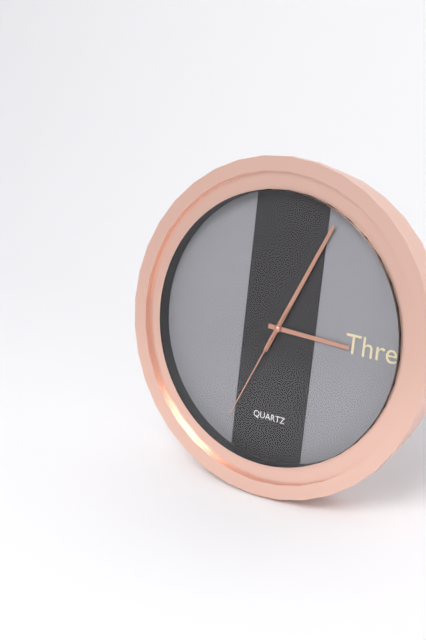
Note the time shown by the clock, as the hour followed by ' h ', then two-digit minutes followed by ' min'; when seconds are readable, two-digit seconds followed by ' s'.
3 h 04 min 34 s
